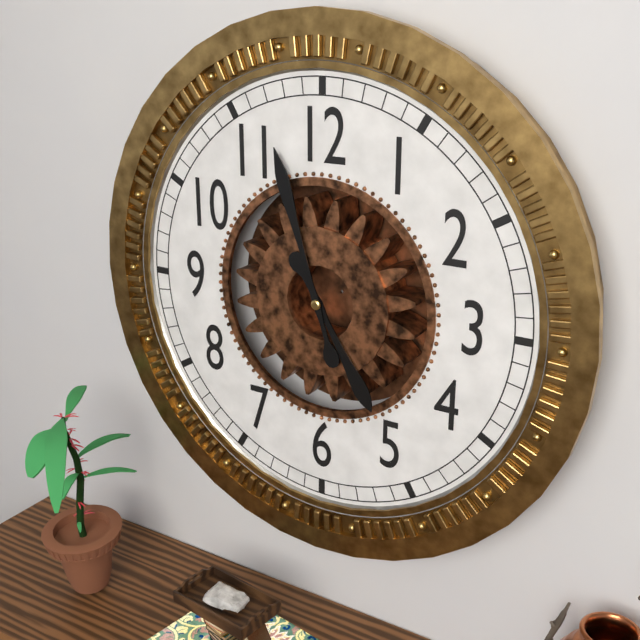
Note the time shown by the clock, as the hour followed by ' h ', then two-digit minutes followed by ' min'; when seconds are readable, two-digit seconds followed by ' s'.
4 h 57 min
